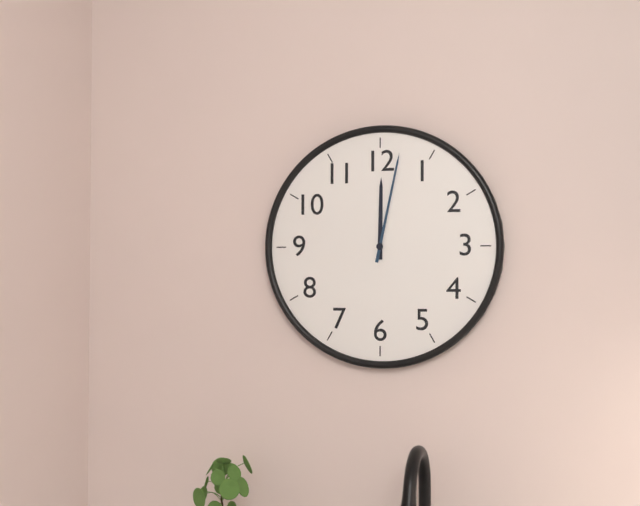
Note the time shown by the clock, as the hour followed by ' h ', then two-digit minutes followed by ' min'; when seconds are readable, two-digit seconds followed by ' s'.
12 h 02 min
